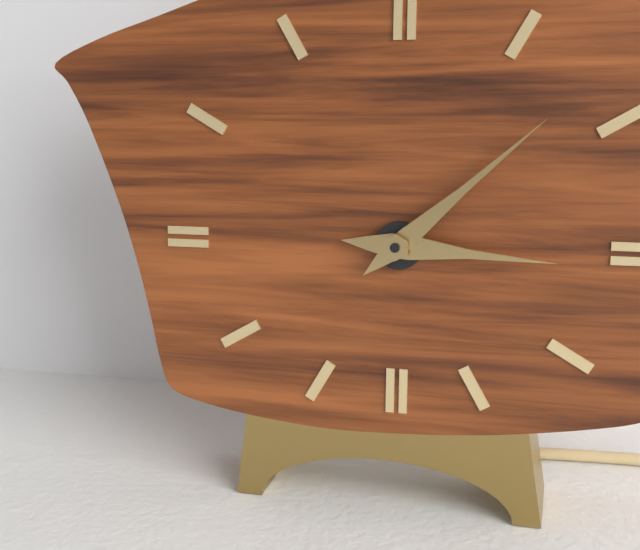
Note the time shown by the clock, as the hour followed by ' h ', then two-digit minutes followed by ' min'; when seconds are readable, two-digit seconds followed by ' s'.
3 h 08 min
